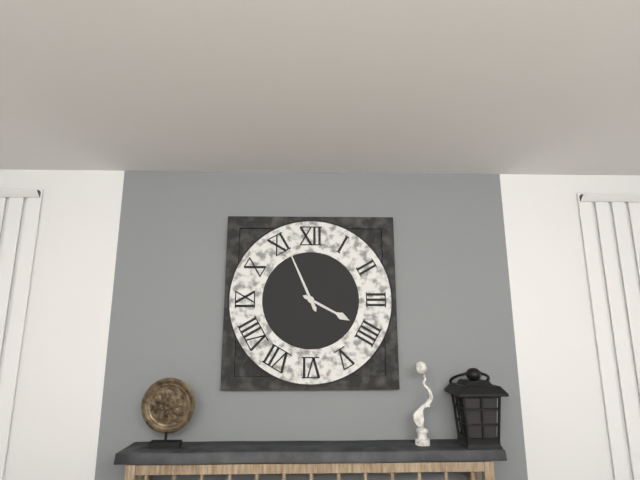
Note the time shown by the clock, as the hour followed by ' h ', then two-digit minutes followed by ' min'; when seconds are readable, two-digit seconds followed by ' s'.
3 h 56 min
